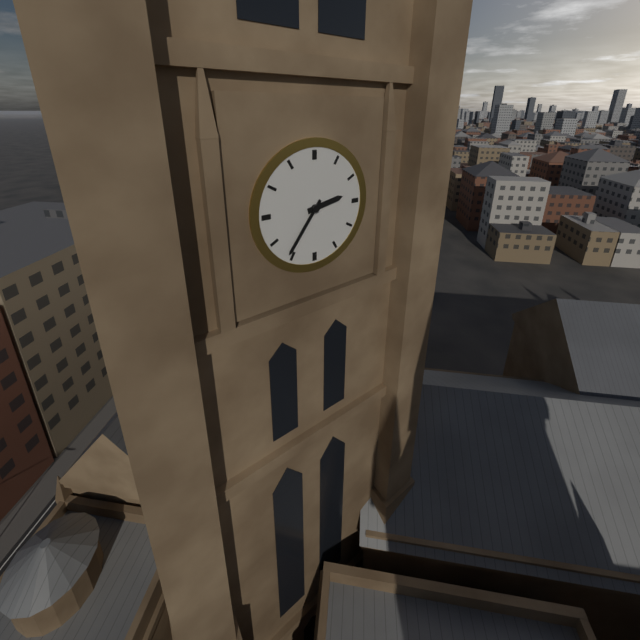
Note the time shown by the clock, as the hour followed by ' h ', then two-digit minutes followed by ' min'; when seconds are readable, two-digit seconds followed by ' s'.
2 h 36 min
